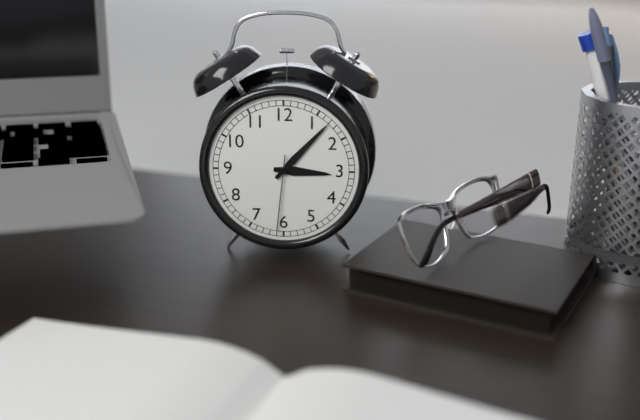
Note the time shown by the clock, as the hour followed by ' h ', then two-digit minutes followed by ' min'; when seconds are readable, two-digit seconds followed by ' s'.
3 h 07 min 31 s
